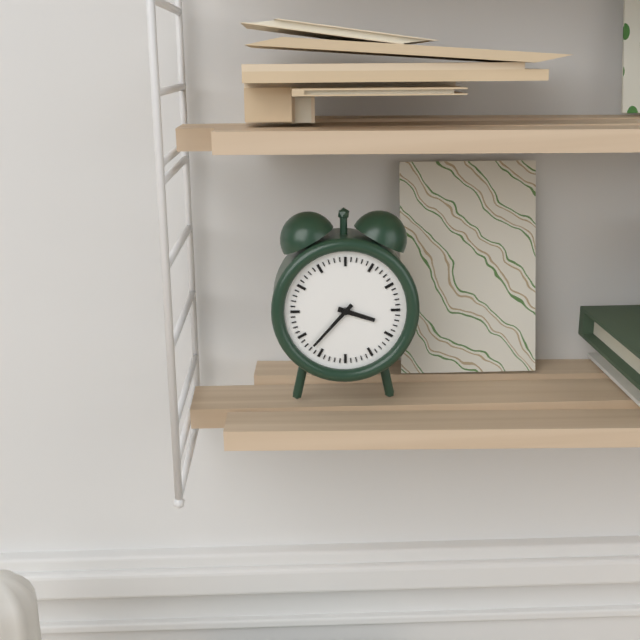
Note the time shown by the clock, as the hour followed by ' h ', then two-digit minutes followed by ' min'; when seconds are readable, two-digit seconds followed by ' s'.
3 h 37 min
